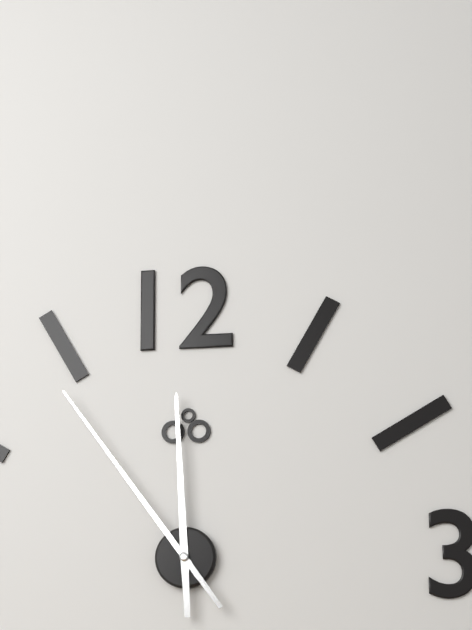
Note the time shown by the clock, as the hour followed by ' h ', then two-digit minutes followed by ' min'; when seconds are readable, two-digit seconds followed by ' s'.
11 h 54 min
